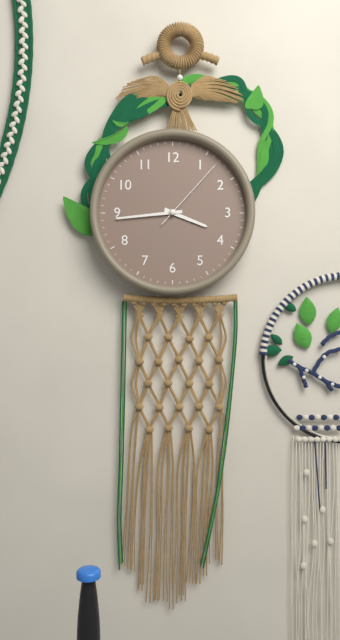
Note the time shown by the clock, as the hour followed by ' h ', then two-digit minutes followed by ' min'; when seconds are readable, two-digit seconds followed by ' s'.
3 h 44 min 07 s
